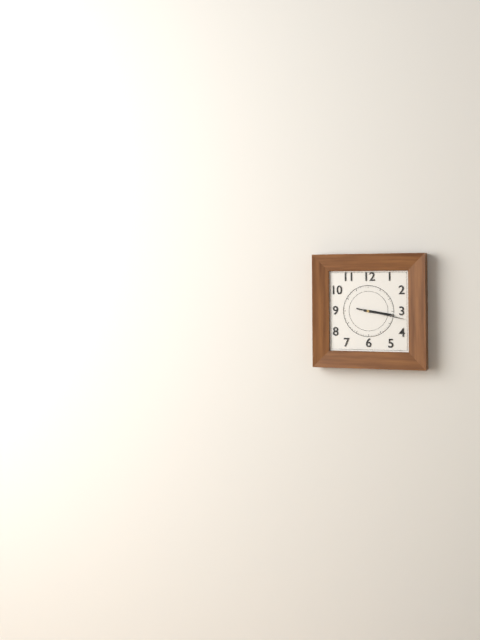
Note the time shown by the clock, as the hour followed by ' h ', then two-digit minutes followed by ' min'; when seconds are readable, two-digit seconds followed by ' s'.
3 h 17 min
